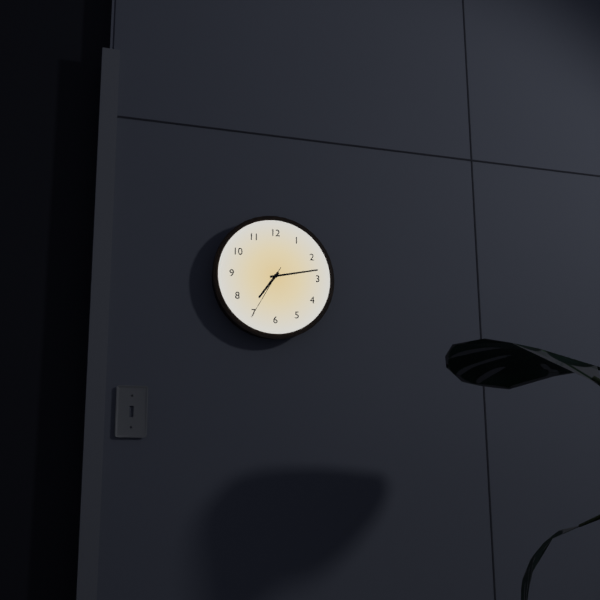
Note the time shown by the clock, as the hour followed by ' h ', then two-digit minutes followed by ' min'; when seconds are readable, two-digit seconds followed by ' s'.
7 h 13 min 35 s
